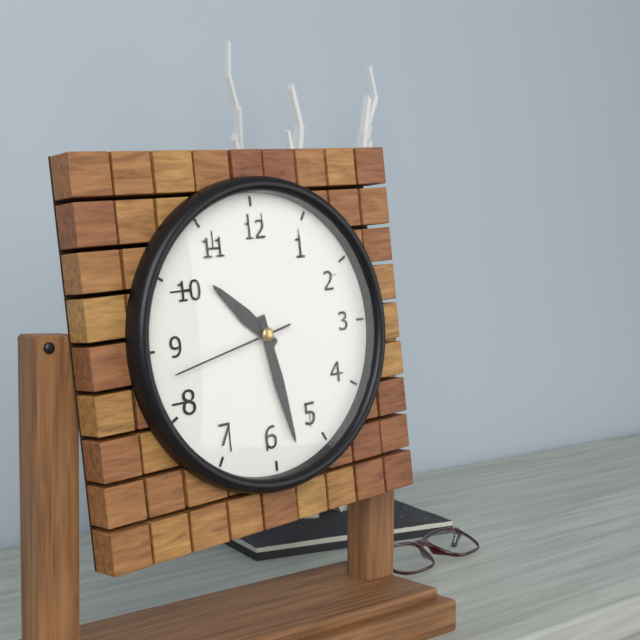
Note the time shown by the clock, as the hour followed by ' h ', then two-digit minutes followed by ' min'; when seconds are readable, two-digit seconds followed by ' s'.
10 h 28 min 43 s
